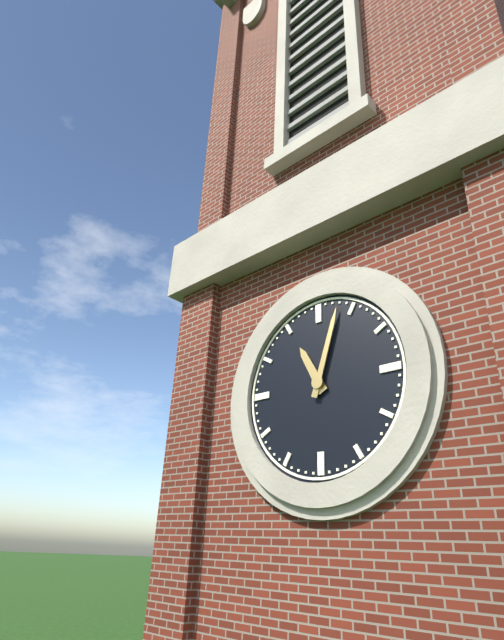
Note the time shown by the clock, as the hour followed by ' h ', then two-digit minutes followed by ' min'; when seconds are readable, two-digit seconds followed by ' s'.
11 h 03 min
